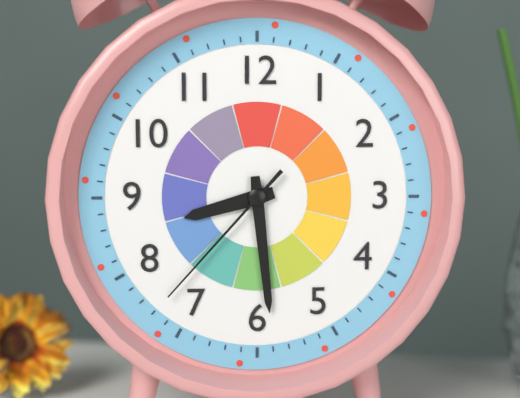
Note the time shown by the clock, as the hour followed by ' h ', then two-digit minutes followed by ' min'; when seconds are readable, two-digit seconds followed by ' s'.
8 h 29 min 37 s
